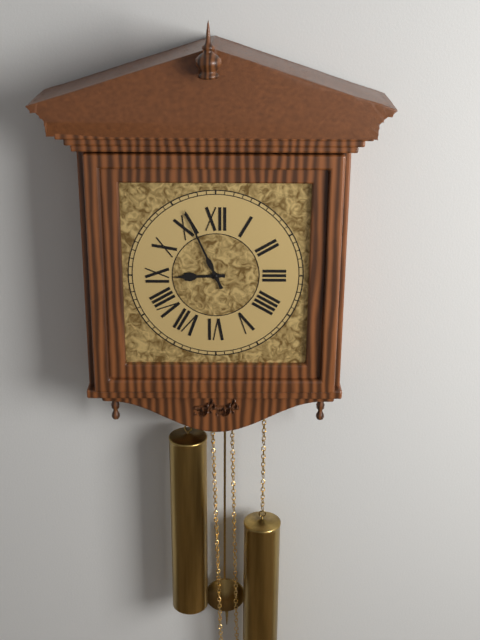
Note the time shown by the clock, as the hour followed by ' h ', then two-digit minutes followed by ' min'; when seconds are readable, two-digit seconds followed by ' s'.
8 h 56 min
